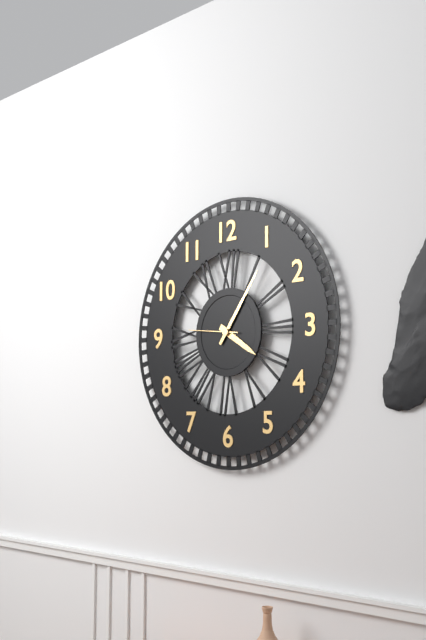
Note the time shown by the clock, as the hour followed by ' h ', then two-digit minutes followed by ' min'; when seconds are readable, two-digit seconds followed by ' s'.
4 h 06 min
